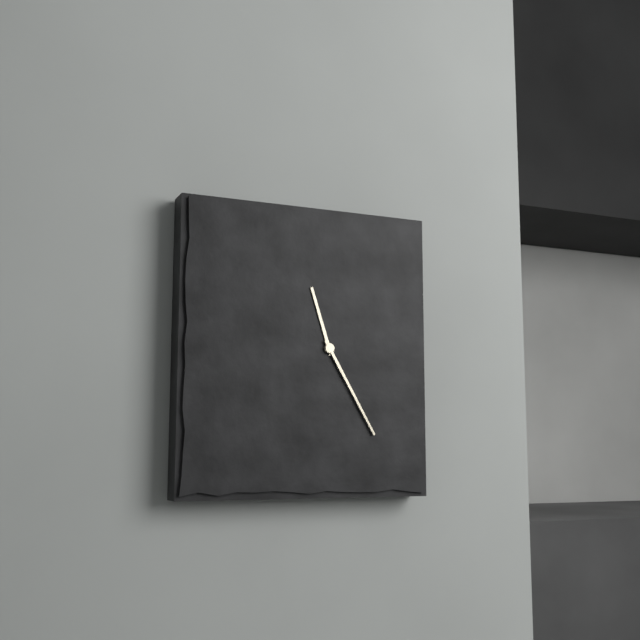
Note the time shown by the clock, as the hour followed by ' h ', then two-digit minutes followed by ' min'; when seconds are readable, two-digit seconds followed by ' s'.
11 h 25 min
